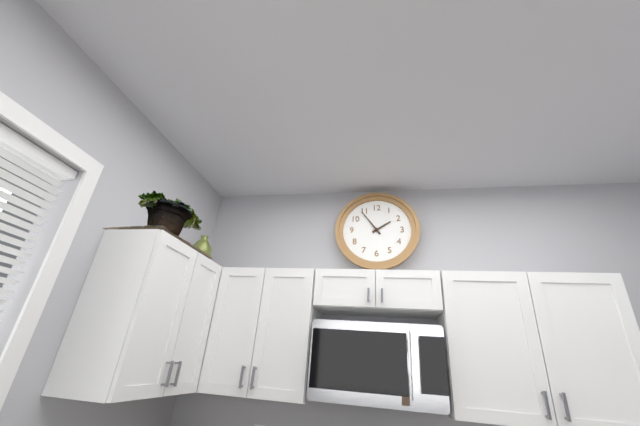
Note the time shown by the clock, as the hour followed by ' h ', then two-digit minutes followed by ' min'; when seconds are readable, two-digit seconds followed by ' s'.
1 h 54 min
